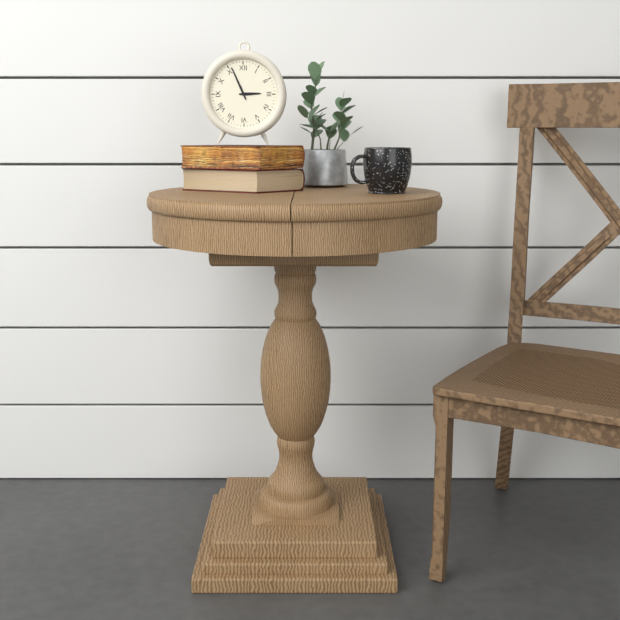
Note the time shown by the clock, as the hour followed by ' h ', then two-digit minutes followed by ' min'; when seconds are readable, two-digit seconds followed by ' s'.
2 h 56 min
